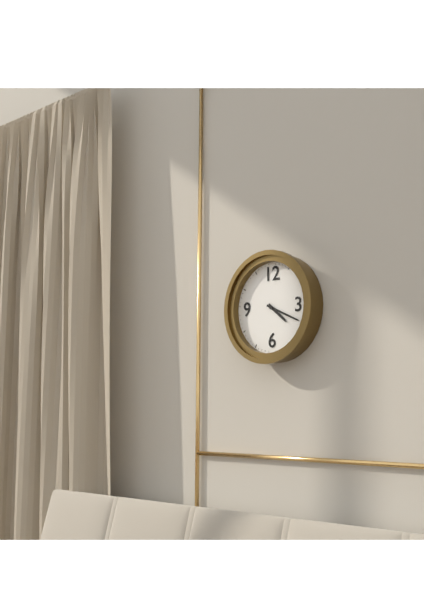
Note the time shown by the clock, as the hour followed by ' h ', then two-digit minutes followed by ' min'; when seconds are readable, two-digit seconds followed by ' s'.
4 h 19 min
